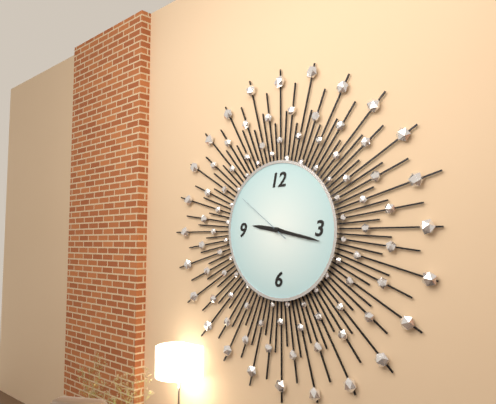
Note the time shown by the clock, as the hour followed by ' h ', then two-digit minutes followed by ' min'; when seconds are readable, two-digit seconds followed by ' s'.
9 h 17 min 51 s
